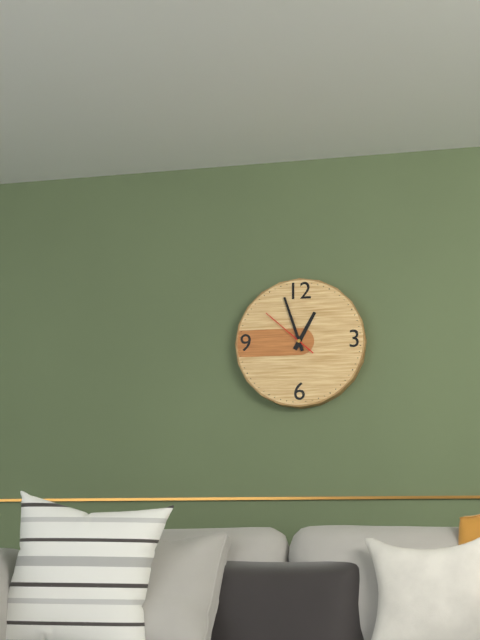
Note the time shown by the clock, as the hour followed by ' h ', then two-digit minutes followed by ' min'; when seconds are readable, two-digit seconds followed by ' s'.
12 h 57 min 52 s
